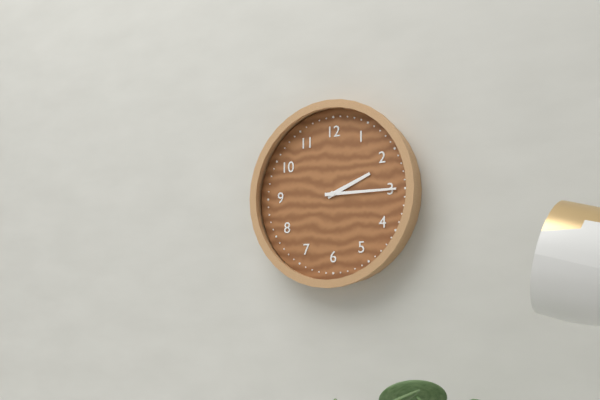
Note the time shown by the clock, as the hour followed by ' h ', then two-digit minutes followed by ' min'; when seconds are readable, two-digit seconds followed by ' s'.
2 h 15 min
